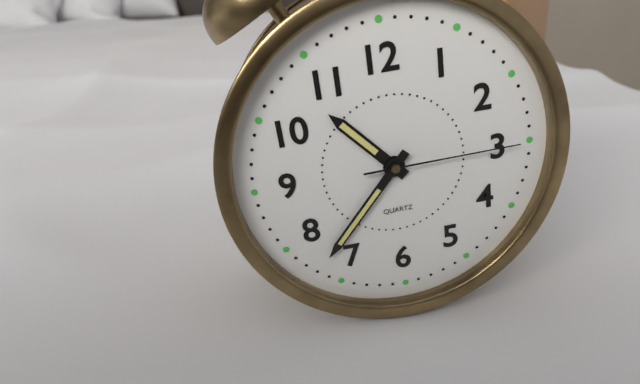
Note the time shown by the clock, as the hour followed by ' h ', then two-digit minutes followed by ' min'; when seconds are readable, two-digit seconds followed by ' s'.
10 h 37 min 15 s
